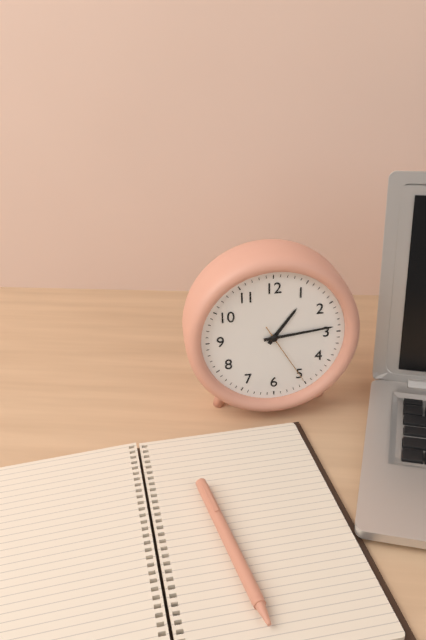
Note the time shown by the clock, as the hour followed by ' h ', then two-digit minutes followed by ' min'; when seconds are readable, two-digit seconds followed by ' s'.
1 h 14 min 25 s
